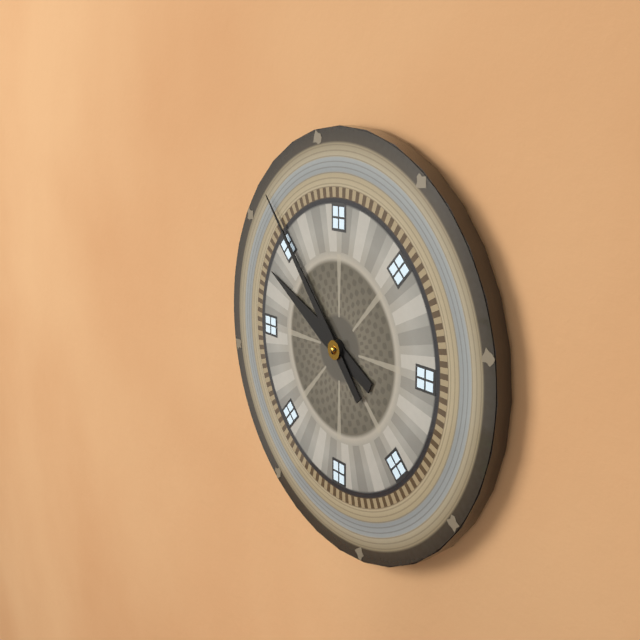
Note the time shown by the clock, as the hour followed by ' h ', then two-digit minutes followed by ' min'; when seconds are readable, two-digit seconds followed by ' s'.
9 h 53 min
